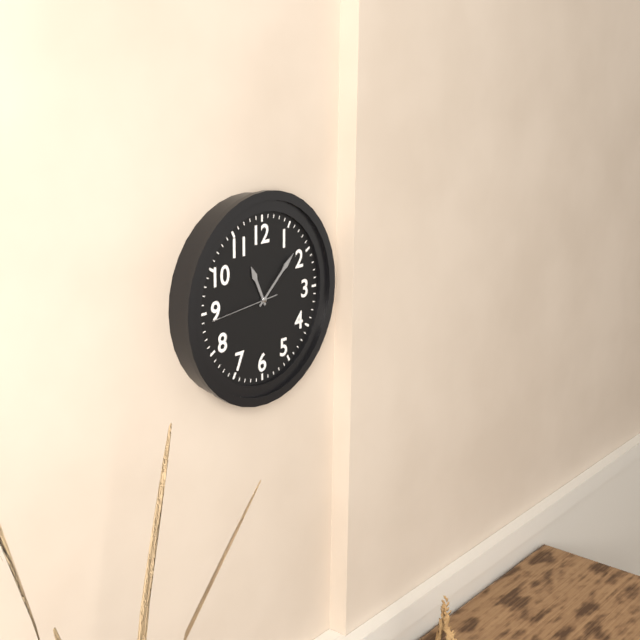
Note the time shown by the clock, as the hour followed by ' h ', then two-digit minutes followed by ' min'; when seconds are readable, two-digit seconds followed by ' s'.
11 h 08 min 44 s
